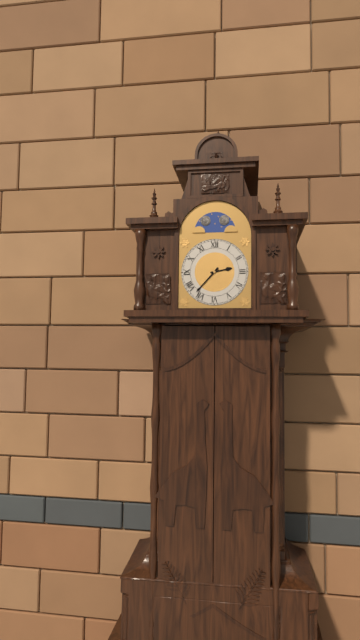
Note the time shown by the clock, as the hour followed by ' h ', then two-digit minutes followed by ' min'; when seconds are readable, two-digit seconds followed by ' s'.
2 h 37 min
